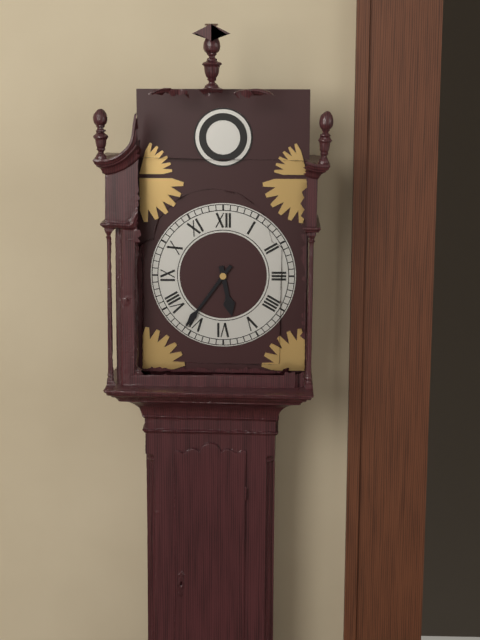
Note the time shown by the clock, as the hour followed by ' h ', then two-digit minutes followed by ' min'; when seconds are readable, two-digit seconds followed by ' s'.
5 h 36 min
